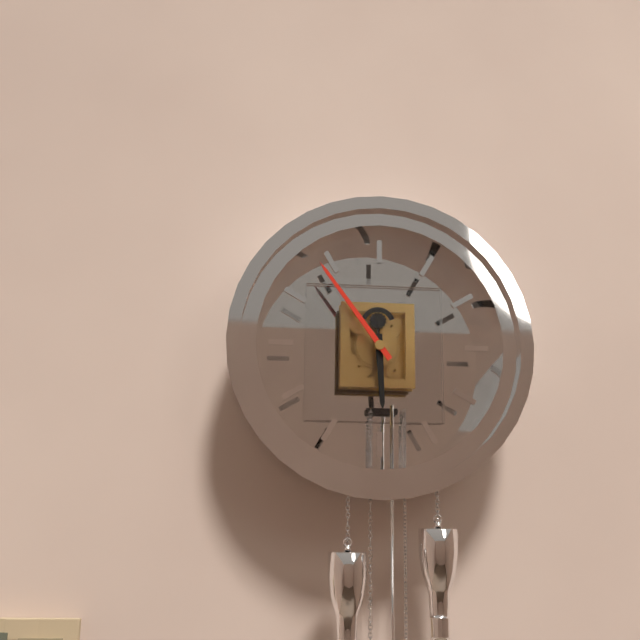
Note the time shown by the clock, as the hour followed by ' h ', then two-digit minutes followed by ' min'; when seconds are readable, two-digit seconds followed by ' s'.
5 h 54 min
